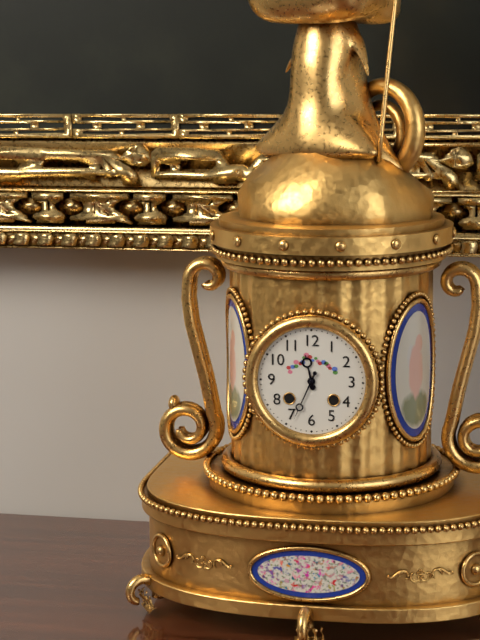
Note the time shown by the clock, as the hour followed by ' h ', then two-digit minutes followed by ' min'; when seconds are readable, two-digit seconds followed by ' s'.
11 h 34 min
